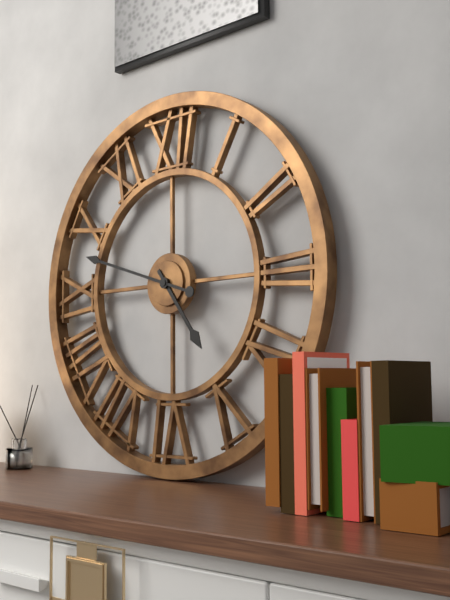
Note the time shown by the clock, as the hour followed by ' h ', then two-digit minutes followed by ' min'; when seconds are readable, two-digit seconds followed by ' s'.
4 h 48 min
